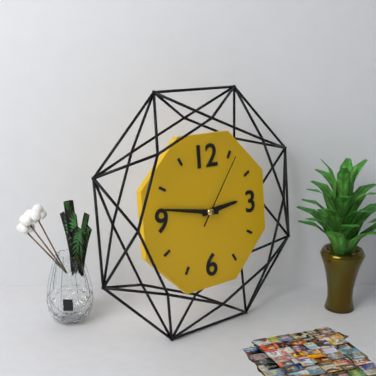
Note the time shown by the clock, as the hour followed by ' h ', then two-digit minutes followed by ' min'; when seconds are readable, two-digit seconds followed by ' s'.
2 h 47 min 06 s
